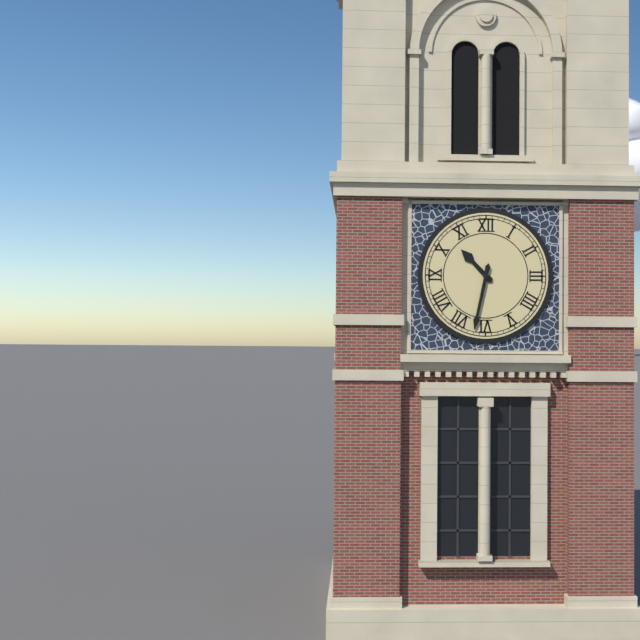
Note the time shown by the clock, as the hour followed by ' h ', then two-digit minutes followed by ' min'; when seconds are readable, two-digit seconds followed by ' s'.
10 h 32 min
